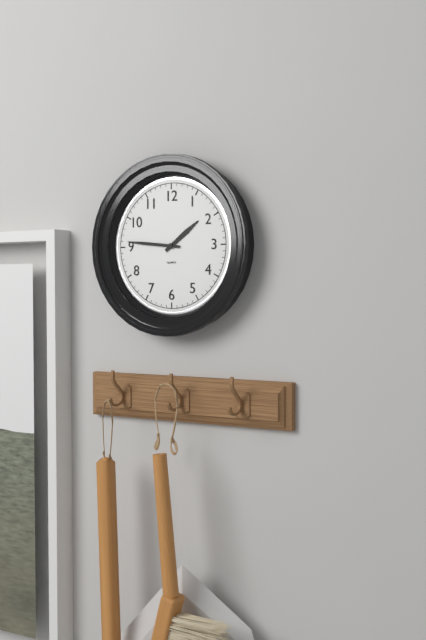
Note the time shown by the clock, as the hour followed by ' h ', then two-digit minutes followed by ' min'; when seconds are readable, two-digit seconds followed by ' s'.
1 h 46 min
